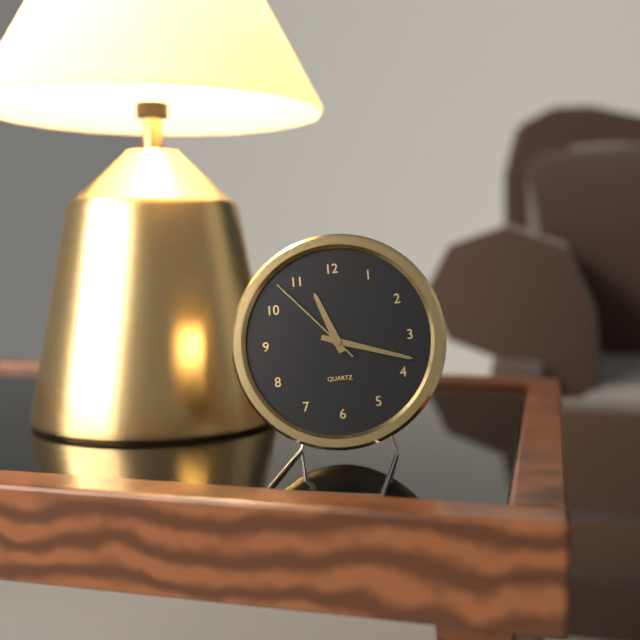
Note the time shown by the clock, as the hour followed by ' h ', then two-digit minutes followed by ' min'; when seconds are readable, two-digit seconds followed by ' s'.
11 h 18 min 53 s
